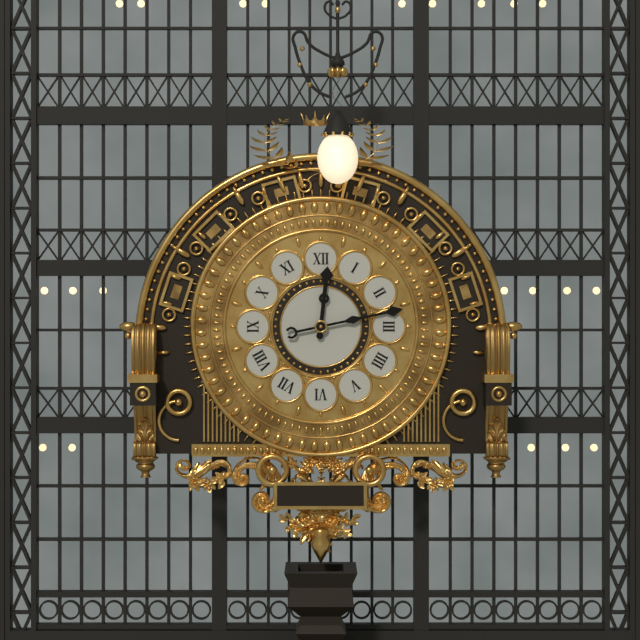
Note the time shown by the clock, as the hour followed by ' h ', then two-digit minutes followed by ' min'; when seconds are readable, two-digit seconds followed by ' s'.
12 h 13 min
